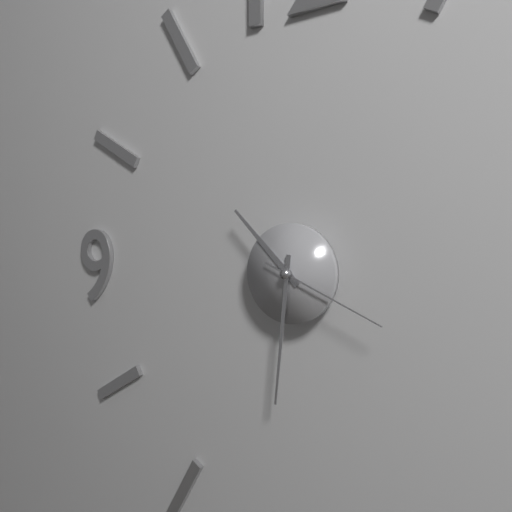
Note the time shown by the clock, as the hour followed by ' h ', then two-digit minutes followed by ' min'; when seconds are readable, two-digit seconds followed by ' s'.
10 h 31 min 19 s
